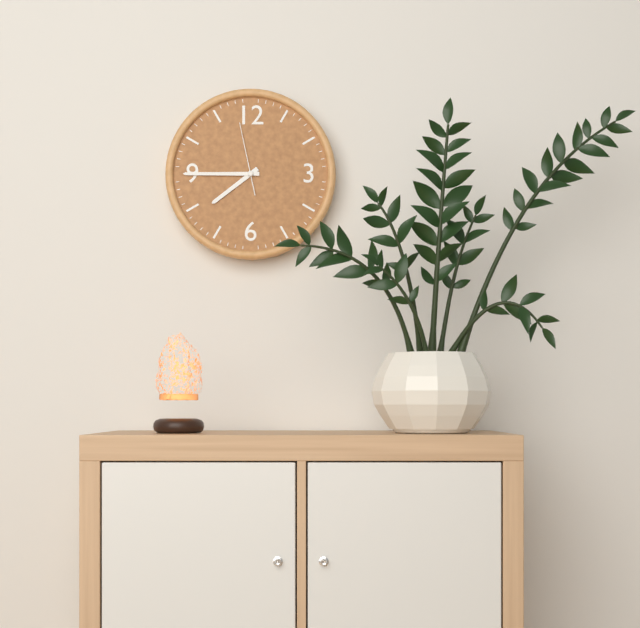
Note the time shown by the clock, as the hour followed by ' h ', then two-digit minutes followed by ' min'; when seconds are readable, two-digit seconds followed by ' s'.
7 h 45 min 58 s
